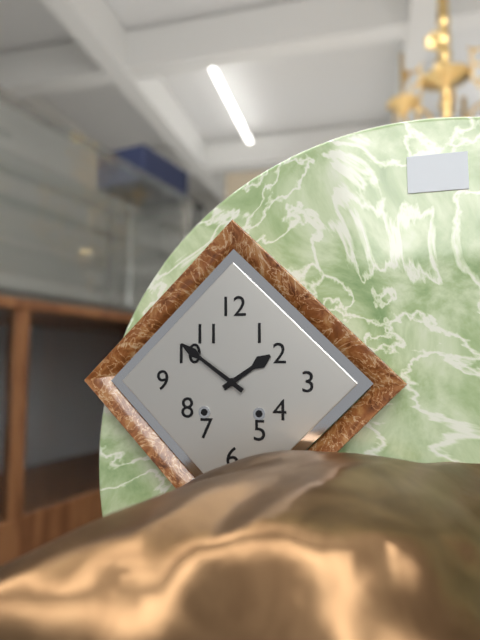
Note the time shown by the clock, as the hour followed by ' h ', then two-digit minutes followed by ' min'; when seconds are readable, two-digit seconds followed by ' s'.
1 h 51 min
